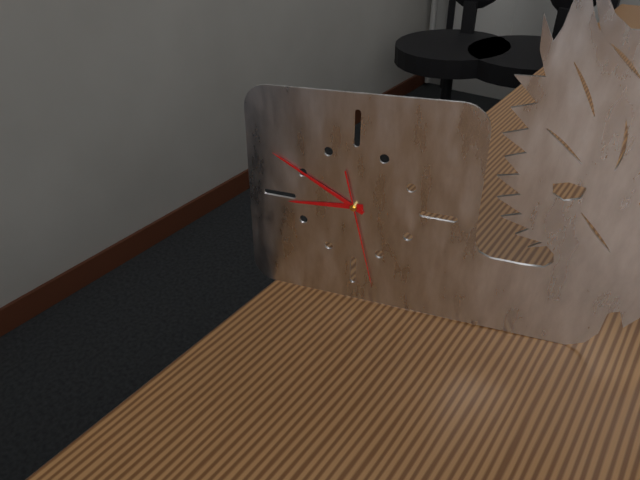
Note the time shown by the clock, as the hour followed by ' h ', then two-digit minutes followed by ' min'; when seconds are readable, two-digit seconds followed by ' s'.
8 h 50 min 28 s
